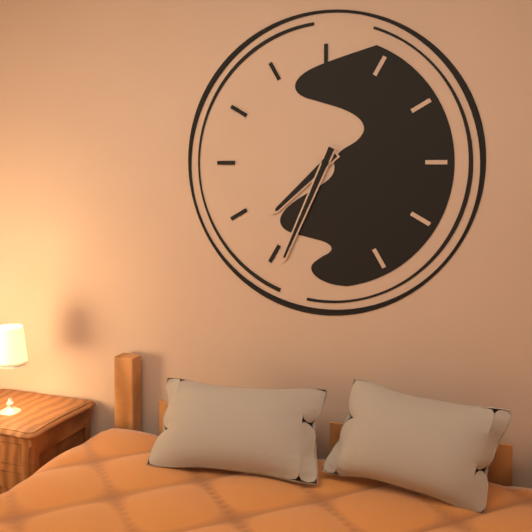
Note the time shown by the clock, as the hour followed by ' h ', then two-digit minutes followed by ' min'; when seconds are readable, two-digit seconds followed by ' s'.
7 h 34 min
